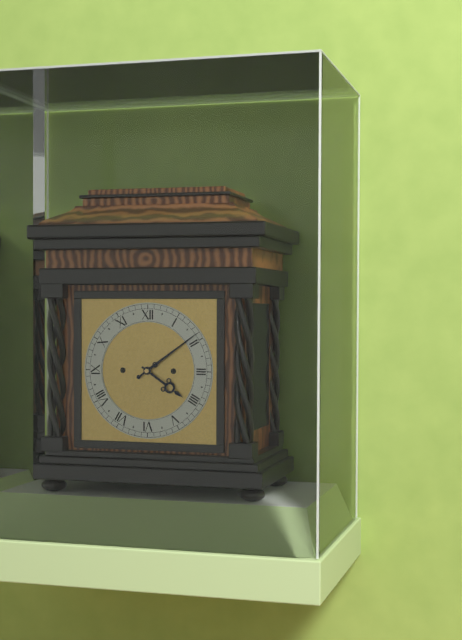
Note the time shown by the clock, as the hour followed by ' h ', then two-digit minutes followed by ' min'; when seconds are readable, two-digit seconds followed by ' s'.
4 h 09 min
